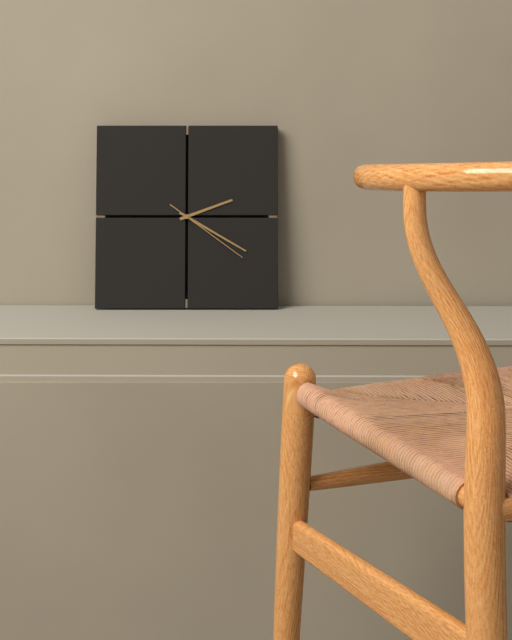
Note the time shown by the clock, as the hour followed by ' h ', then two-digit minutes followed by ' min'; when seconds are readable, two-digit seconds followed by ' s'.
2 h 20 min 21 s
